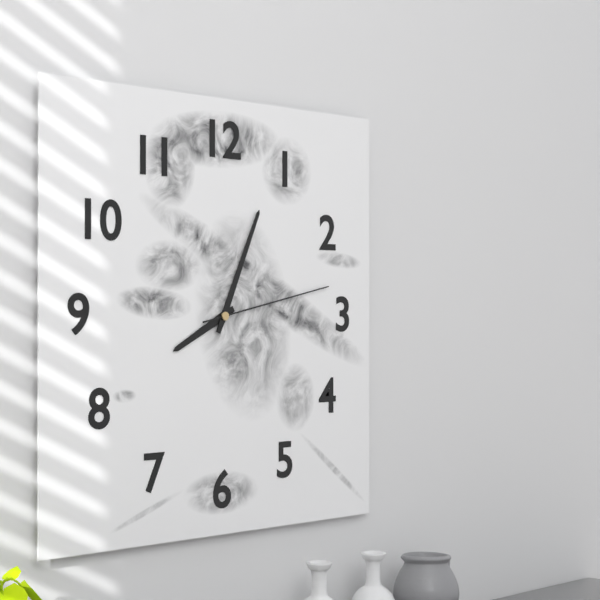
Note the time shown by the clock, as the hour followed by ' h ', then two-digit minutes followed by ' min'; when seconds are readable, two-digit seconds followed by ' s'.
8 h 04 min 13 s
